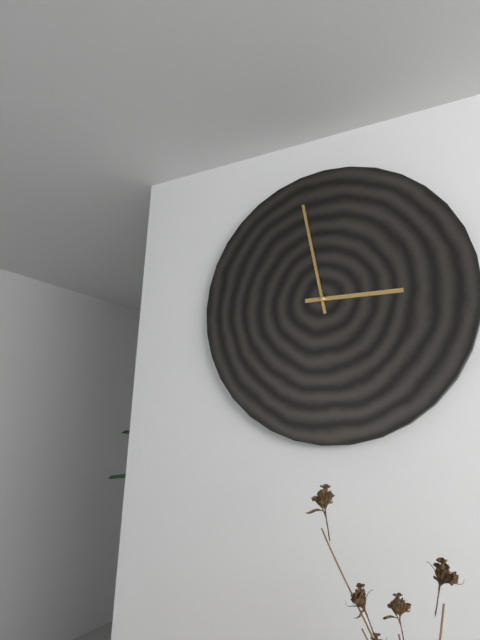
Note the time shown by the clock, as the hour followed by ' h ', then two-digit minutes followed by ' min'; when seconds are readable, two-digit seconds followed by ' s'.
2 h 58 min
